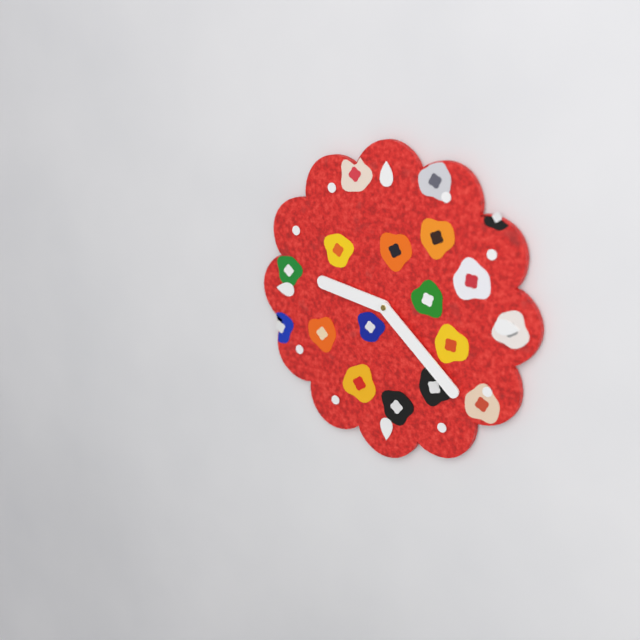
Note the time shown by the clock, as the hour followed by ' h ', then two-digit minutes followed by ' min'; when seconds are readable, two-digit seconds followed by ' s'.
9 h 22 min
